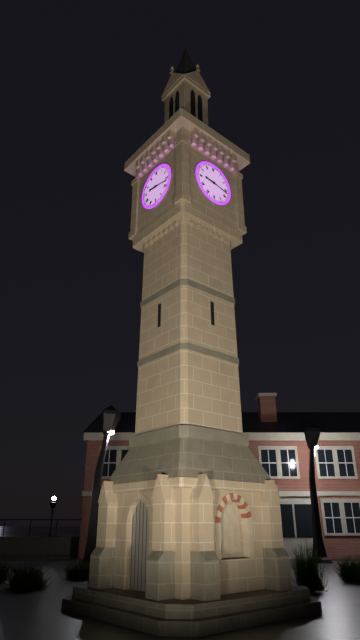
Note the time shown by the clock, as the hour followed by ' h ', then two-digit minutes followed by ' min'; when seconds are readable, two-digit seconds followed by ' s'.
9 h 17 min
